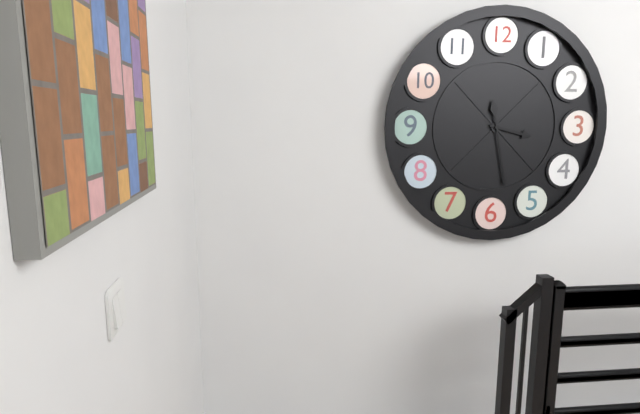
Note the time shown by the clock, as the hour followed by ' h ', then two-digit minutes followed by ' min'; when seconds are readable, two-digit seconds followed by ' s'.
3 h 28 min
